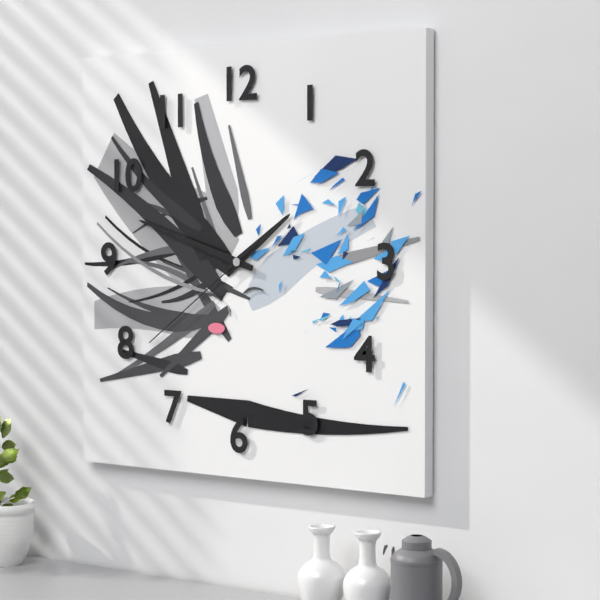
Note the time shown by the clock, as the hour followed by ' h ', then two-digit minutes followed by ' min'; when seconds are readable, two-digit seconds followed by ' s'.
1 h 48 min 39 s
